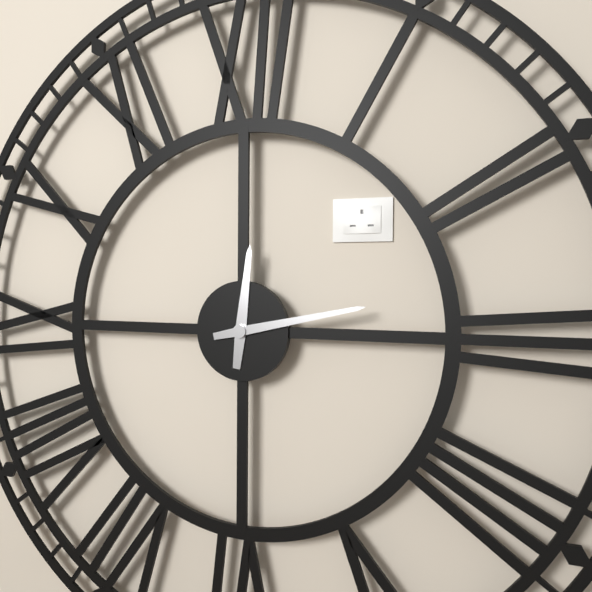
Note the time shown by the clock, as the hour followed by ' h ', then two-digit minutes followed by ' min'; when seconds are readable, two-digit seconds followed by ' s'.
12 h 13 min
